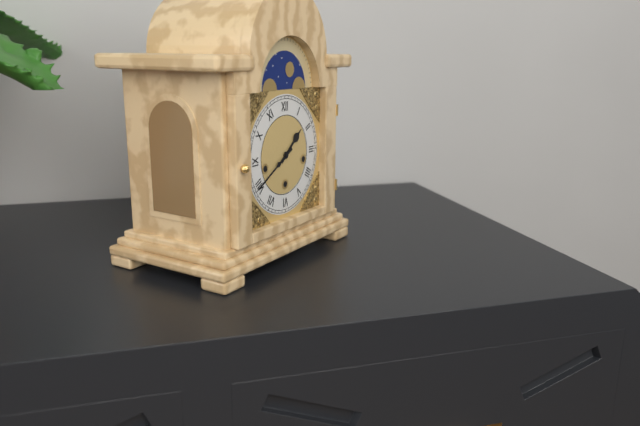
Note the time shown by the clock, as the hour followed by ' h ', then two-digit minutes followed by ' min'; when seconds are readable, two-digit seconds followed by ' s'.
1 h 40 min
